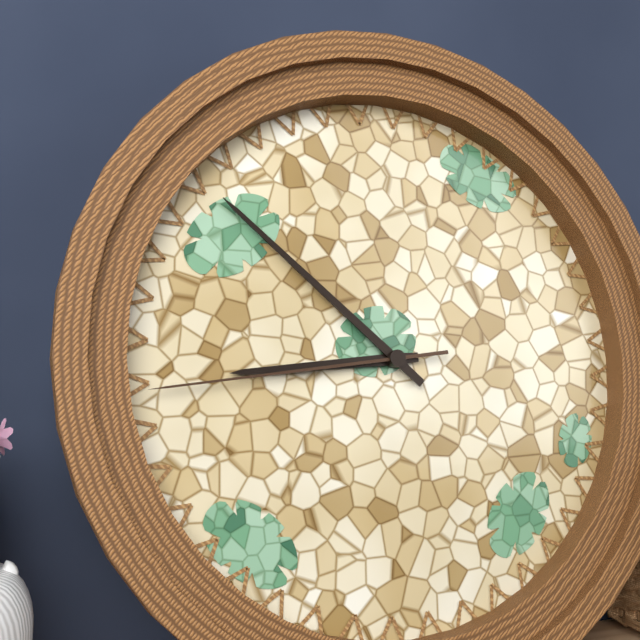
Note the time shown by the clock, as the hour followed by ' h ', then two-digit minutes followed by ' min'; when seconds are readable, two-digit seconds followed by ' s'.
8 h 52 min 44 s
